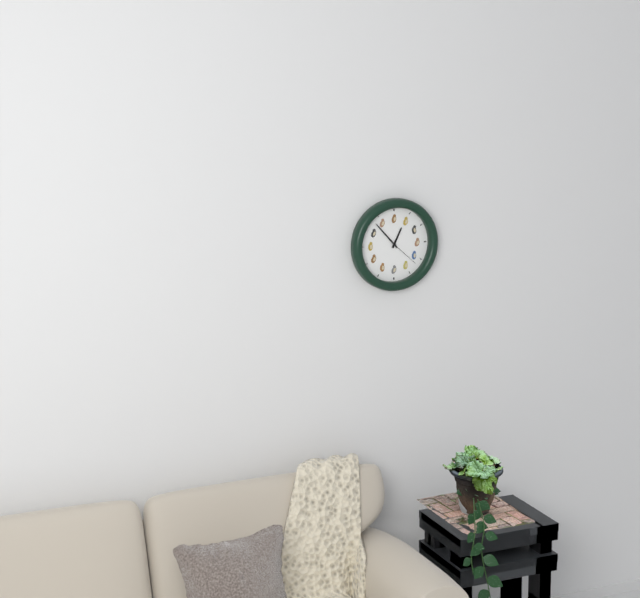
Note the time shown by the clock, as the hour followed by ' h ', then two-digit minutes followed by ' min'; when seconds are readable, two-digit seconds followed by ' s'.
12 h 53 min
